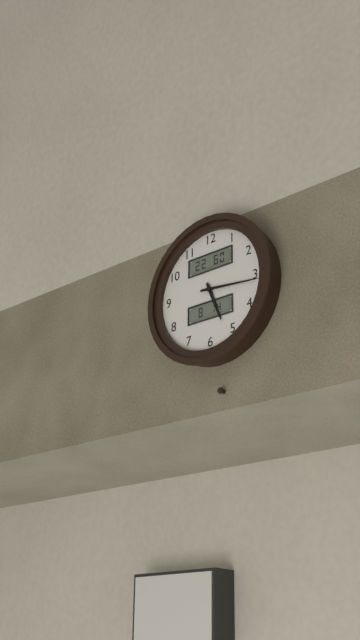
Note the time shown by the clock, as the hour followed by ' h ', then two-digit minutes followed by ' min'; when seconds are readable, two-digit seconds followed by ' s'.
5 h 16 min
